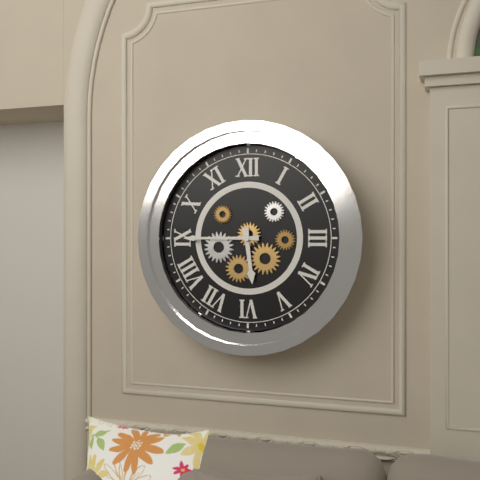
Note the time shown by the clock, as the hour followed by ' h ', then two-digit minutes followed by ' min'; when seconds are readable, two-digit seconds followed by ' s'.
5 h 45 min
